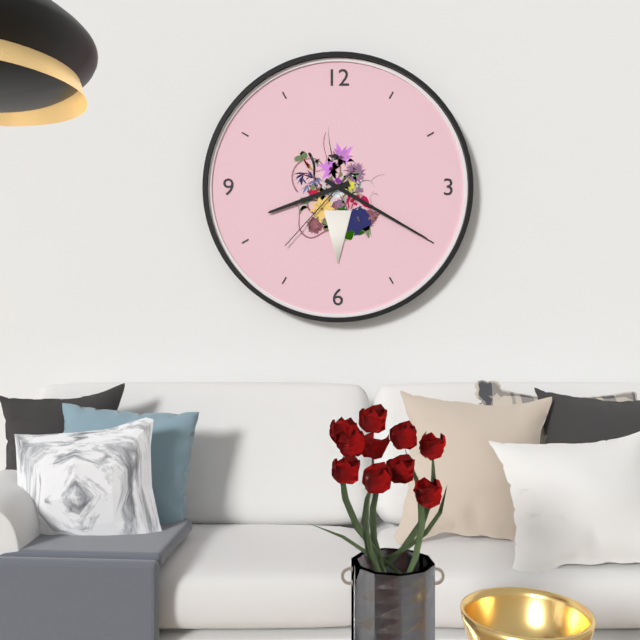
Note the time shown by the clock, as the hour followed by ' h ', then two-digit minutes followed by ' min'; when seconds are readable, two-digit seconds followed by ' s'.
8 h 20 min 37 s
